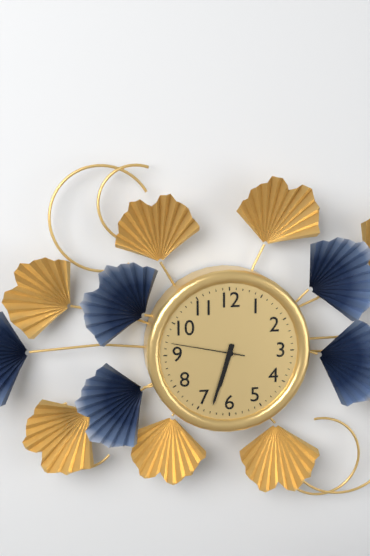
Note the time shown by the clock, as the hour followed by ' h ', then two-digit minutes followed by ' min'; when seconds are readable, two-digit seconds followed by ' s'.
6 h 33 min 47 s
